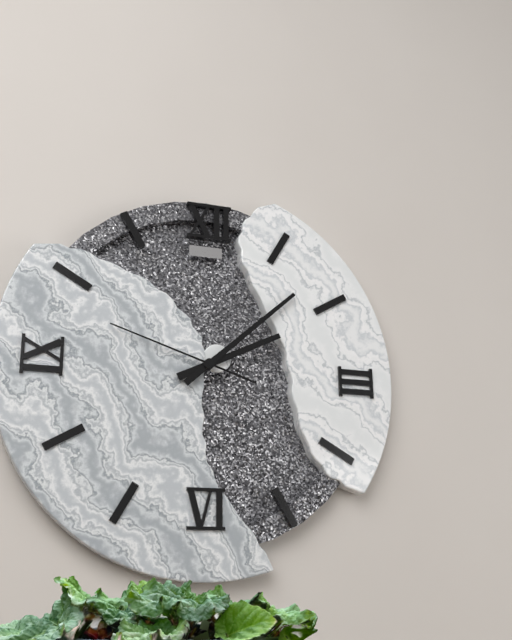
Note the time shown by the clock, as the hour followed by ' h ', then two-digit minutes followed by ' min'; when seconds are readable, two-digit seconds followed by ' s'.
2 h 08 min 48 s
